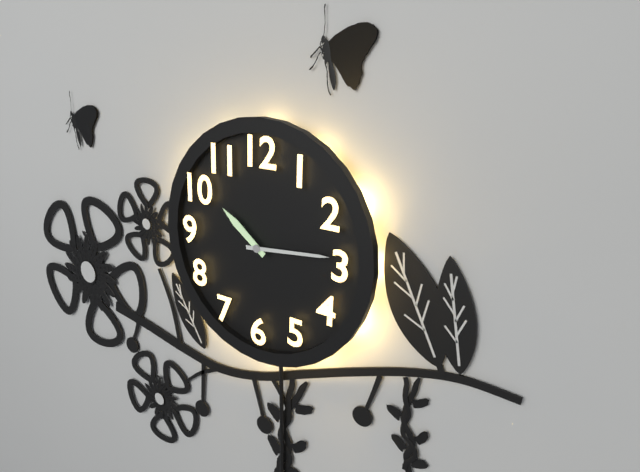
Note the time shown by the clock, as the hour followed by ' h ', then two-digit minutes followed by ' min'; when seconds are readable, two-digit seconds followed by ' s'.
10 h 14 min
